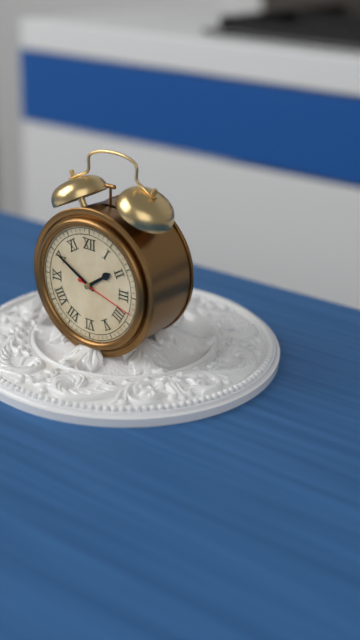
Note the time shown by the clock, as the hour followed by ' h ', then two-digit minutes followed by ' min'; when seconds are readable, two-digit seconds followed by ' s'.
1 h 50 min 18 s
